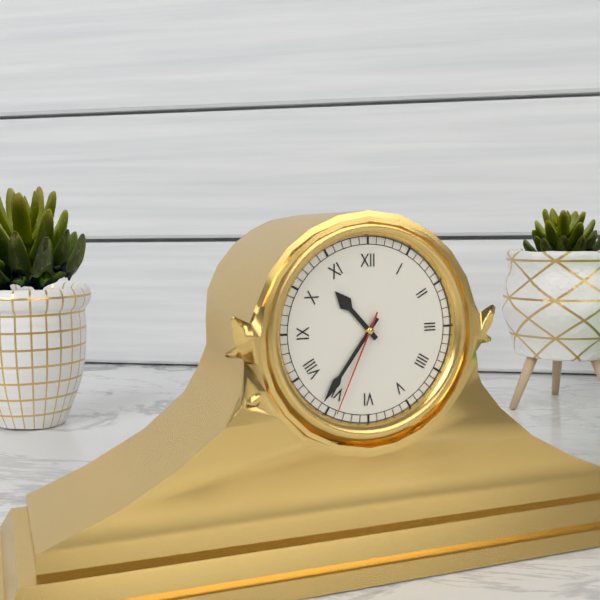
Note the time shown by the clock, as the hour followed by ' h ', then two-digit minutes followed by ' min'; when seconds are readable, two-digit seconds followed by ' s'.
10 h 36 min 34 s
